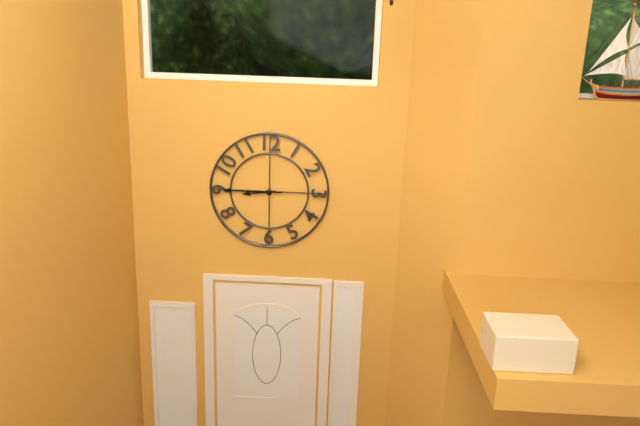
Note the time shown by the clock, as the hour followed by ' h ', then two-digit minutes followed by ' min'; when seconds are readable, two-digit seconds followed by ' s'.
8 h 45 min
